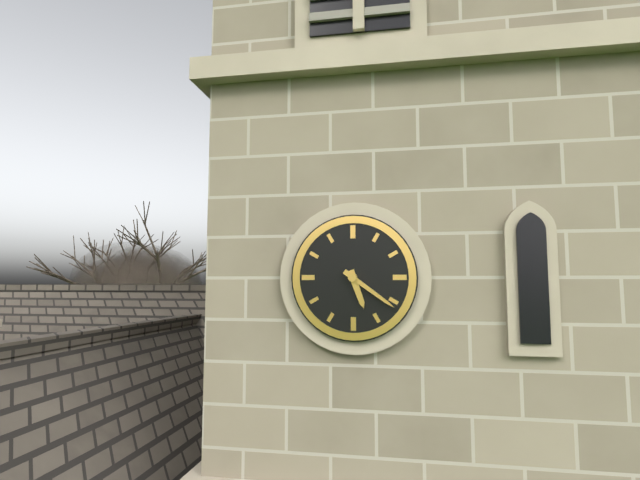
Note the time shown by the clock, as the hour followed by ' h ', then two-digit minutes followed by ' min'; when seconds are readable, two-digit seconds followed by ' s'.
5 h 21 min
